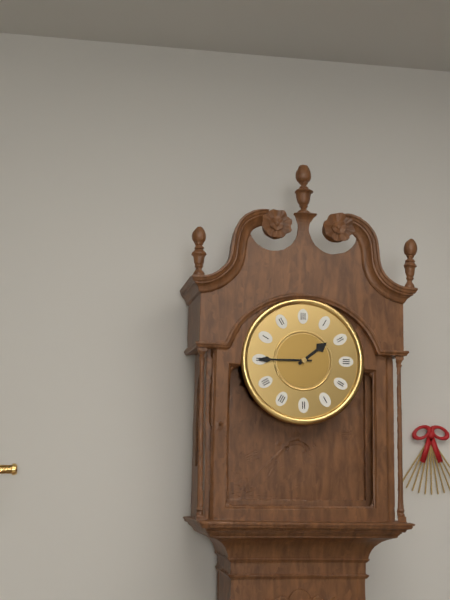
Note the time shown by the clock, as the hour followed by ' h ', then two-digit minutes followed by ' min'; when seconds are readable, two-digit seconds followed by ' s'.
1 h 45 min
